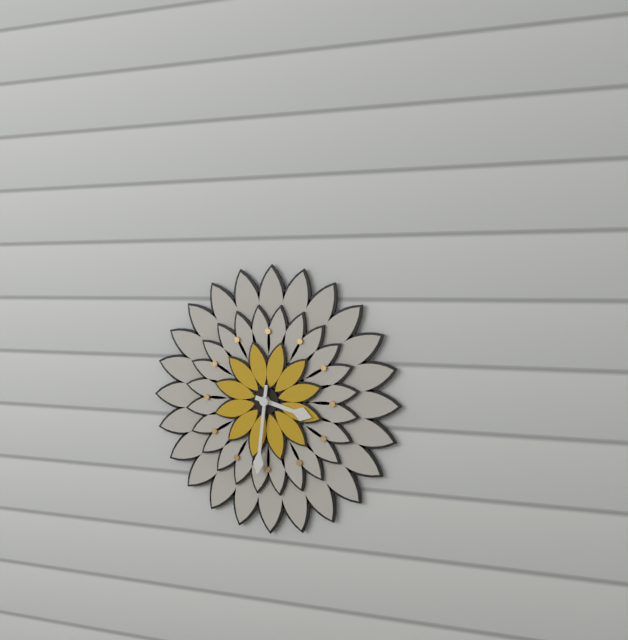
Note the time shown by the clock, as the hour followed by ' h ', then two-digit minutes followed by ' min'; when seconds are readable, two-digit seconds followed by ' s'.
3 h 31 min
